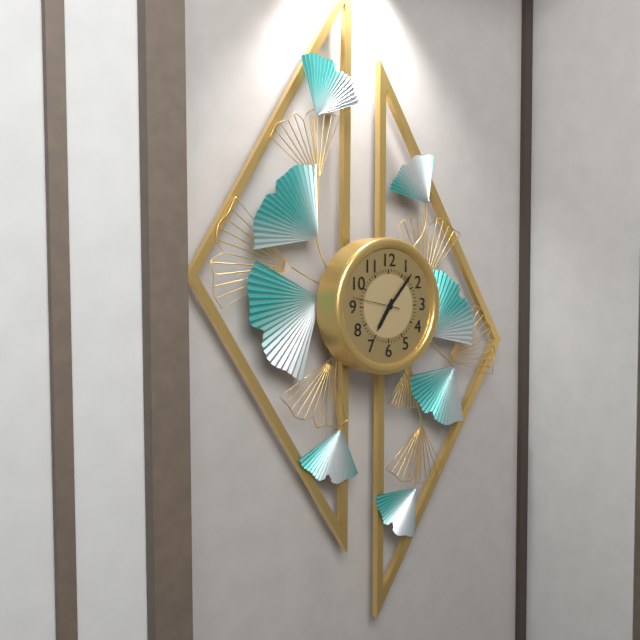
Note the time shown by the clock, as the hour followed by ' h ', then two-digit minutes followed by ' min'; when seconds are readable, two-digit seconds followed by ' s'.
7 h 07 min
